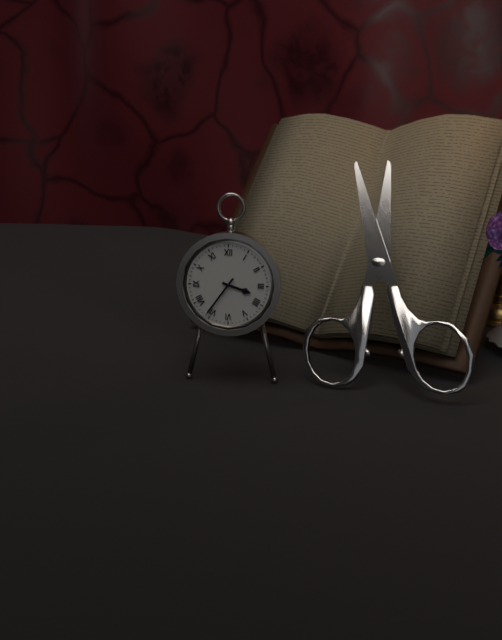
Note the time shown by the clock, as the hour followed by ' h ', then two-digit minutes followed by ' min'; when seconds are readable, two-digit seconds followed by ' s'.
3 h 36 min
